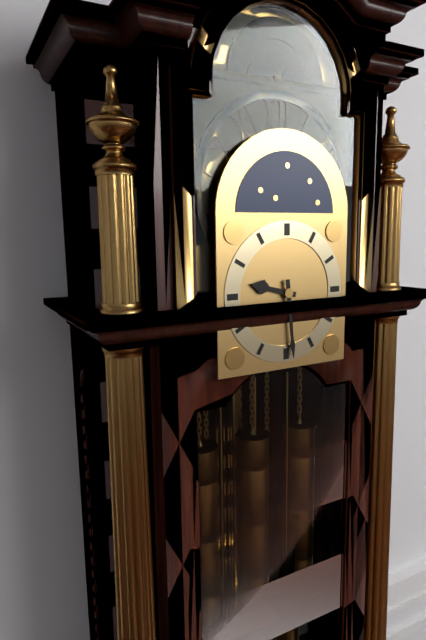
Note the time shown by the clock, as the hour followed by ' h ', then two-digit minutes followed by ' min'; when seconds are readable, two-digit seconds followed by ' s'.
9 h 29 min
